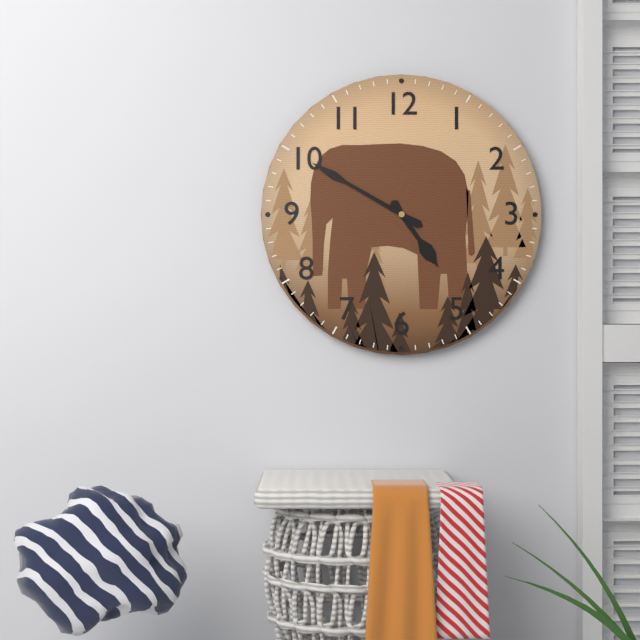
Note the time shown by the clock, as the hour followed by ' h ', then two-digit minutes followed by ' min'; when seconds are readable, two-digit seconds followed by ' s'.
4 h 50 min
